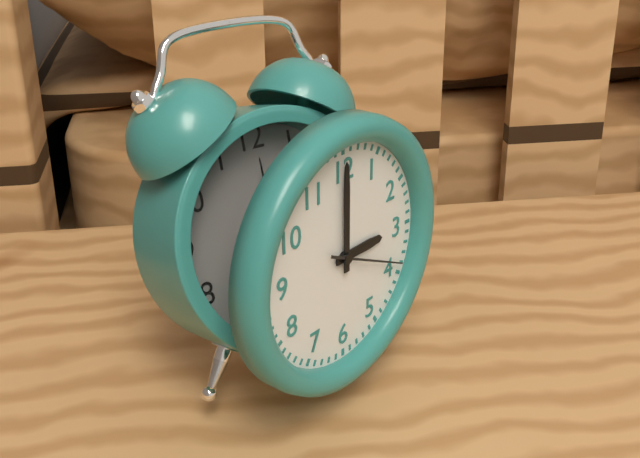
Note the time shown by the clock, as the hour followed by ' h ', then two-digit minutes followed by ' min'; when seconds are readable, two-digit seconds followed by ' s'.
3 h 00 min 19 s
